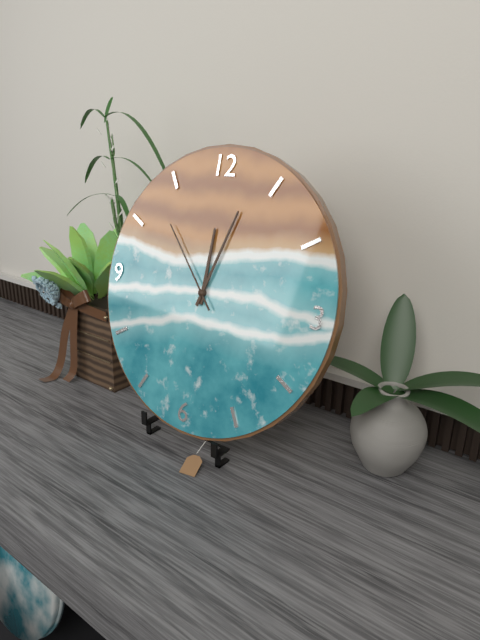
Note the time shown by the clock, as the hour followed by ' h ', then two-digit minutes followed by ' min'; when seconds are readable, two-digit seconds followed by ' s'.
12 h 03 min 53 s
